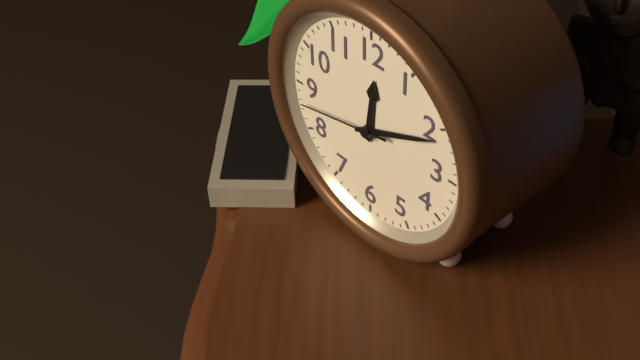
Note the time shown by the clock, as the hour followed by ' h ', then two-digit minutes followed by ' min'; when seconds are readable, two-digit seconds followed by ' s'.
12 h 11 min 43 s
